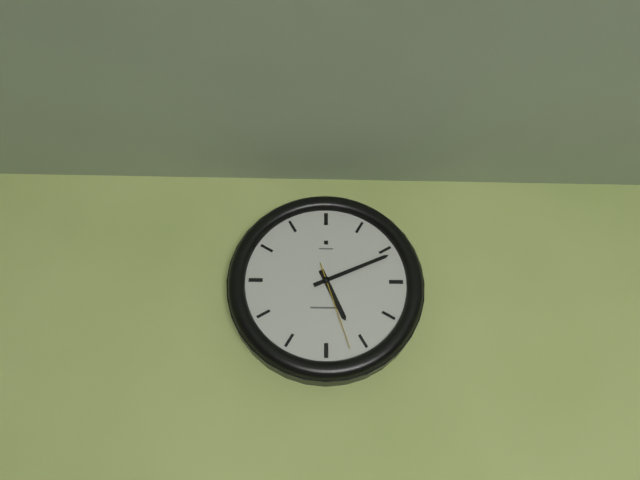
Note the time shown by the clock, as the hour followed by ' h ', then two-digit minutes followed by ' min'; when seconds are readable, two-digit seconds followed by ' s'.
5 h 11 min 27 s
